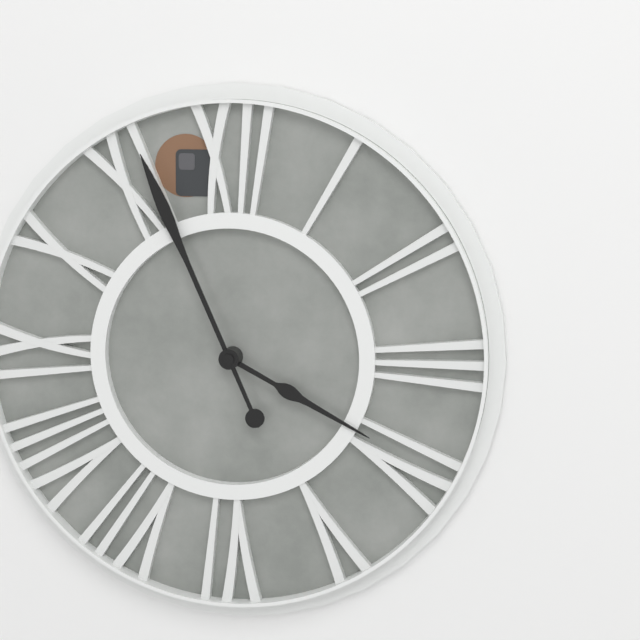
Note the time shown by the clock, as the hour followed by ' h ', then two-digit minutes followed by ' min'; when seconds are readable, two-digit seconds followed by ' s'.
3 h 56 min
